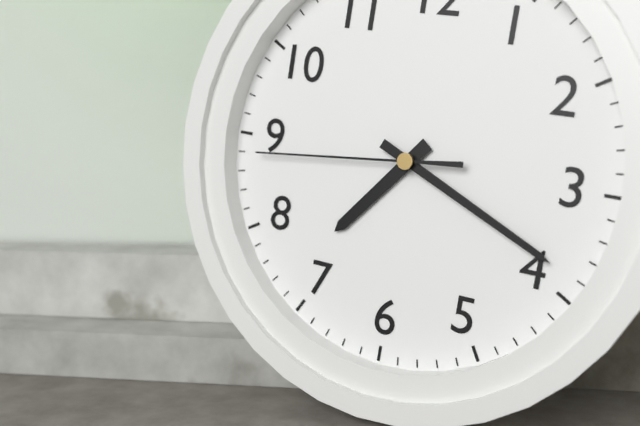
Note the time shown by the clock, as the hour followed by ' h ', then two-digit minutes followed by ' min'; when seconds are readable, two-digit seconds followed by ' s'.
7 h 19 min 44 s
